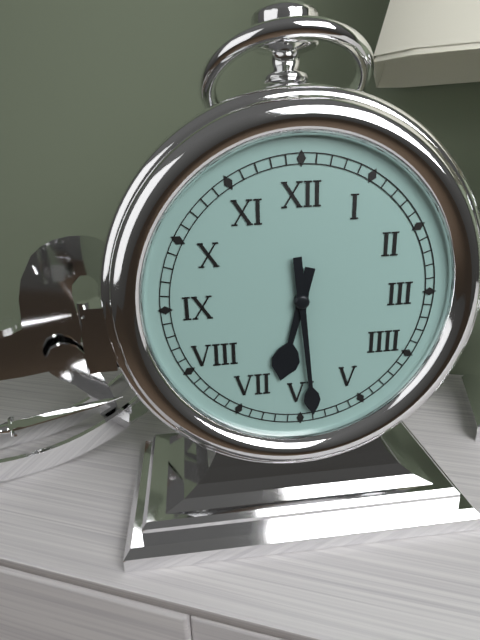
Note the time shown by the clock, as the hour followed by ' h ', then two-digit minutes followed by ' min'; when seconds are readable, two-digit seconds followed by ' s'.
6 h 29 min
